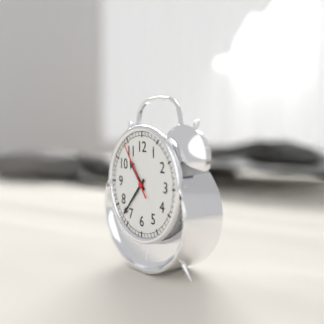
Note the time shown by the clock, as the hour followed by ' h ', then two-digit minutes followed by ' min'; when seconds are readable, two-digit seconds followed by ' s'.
10 h 37 min 54 s
